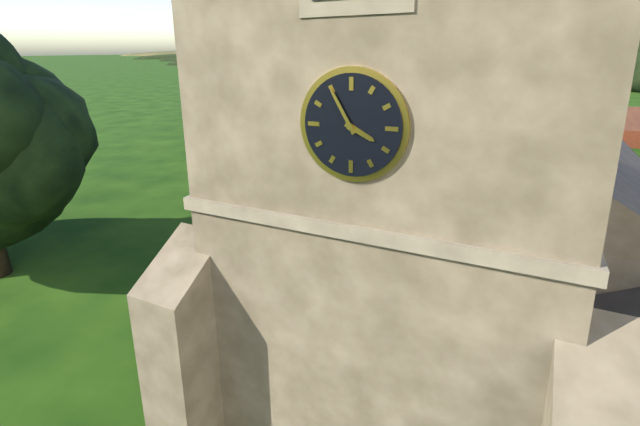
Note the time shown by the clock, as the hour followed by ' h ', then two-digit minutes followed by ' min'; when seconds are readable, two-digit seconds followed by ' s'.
3 h 55 min
